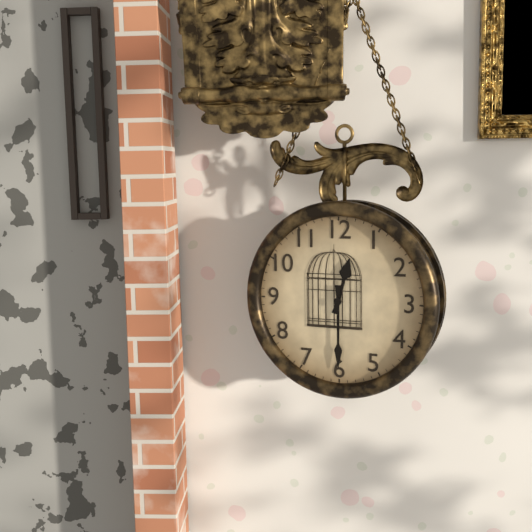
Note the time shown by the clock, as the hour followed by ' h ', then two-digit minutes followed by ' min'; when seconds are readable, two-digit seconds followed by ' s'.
12 h 30 min
